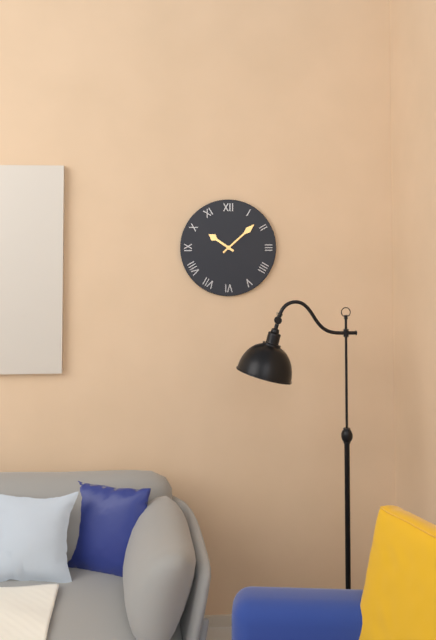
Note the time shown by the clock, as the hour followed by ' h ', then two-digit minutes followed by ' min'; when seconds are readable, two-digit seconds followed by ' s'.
10 h 08 min
